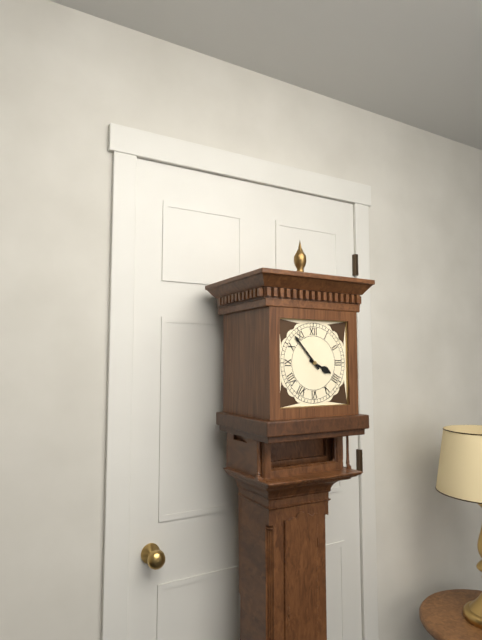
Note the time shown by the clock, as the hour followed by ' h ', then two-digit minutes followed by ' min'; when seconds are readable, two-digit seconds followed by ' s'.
3 h 53 min
